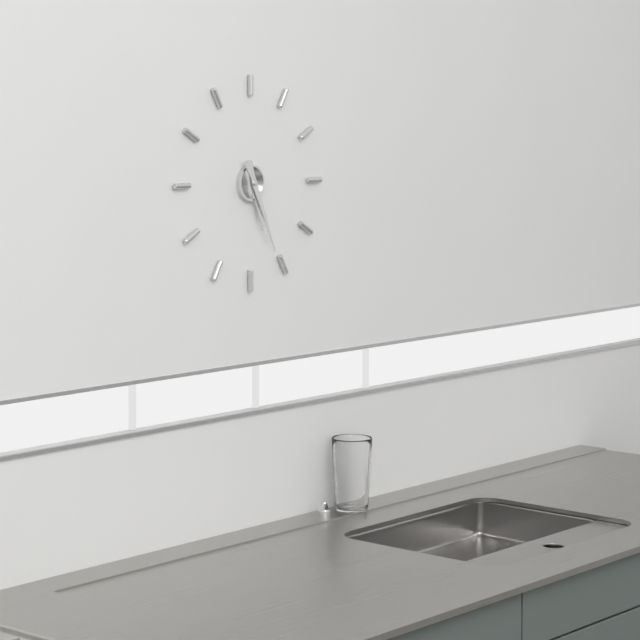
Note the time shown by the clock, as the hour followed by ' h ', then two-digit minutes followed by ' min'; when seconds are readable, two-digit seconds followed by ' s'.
5 h 26 min
